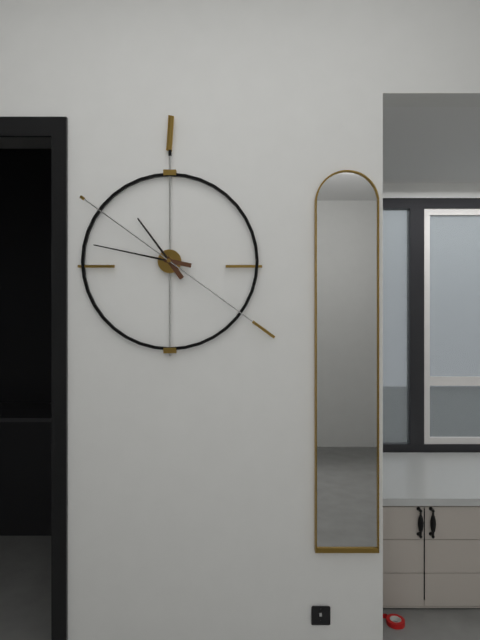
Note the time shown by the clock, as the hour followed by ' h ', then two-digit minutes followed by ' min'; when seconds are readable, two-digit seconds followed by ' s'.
10 h 47 min 21 s
